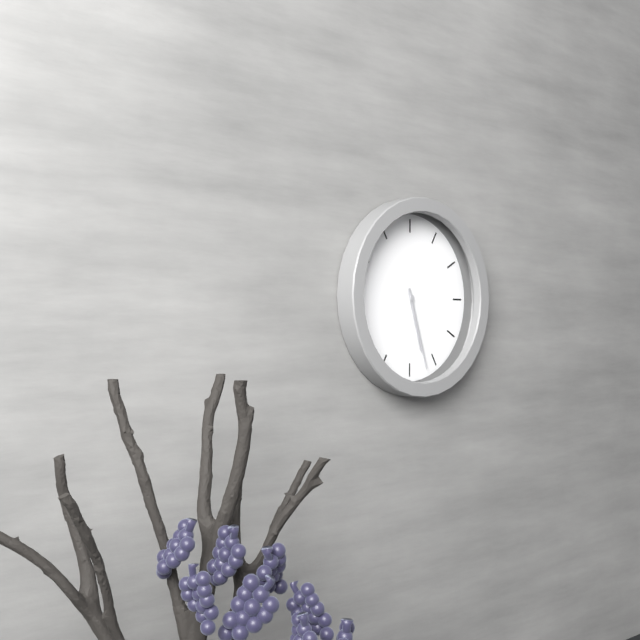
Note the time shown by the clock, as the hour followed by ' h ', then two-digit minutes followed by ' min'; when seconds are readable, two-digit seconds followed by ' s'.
5 h 27 min
